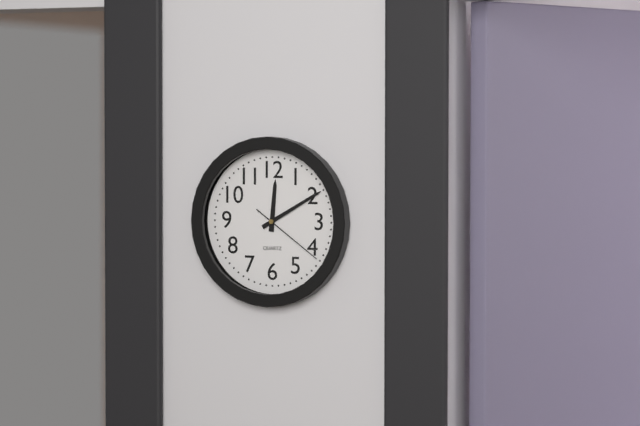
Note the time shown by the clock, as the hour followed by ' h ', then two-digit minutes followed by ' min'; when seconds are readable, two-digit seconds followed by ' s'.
12 h 10 min 21 s
